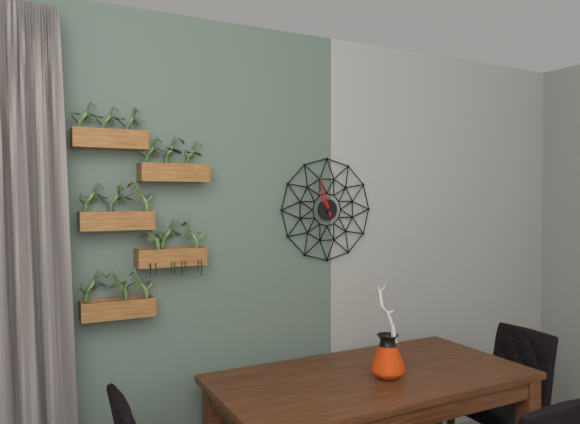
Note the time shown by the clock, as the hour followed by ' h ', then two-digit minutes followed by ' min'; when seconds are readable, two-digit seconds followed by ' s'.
10 h 57 min
